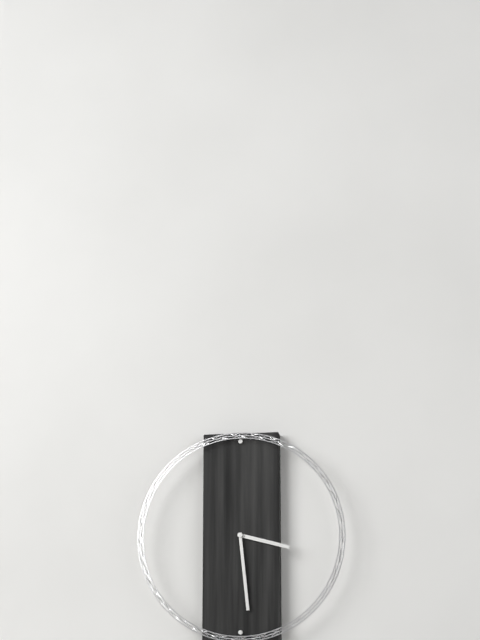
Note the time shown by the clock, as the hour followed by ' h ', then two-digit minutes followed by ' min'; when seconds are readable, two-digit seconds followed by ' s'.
3 h 29 min
